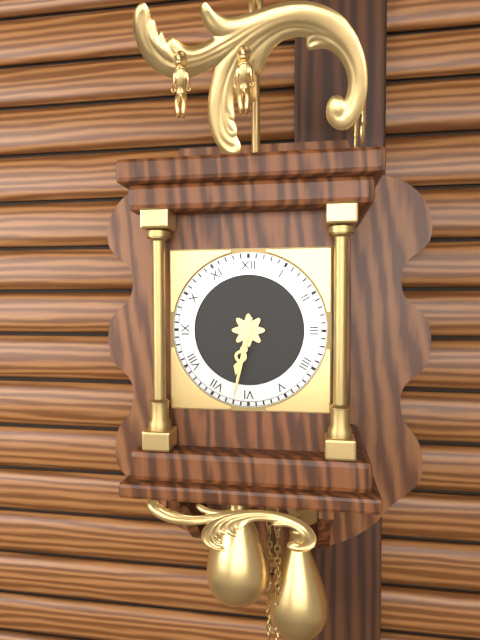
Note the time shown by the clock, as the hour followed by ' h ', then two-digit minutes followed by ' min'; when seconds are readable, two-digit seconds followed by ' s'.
6 h 32 min
